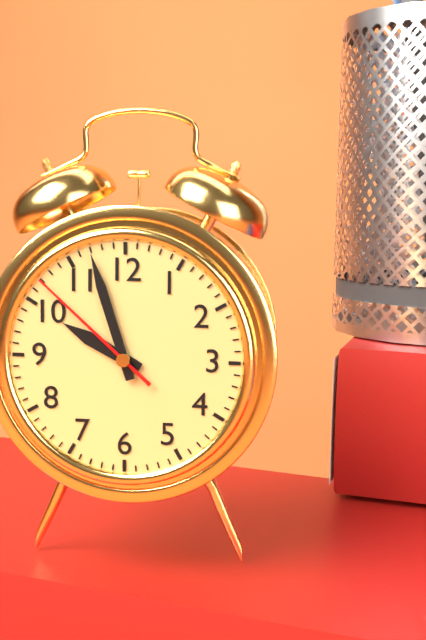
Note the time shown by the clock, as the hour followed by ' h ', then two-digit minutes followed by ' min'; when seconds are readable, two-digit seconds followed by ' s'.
9 h 57 min 52 s
